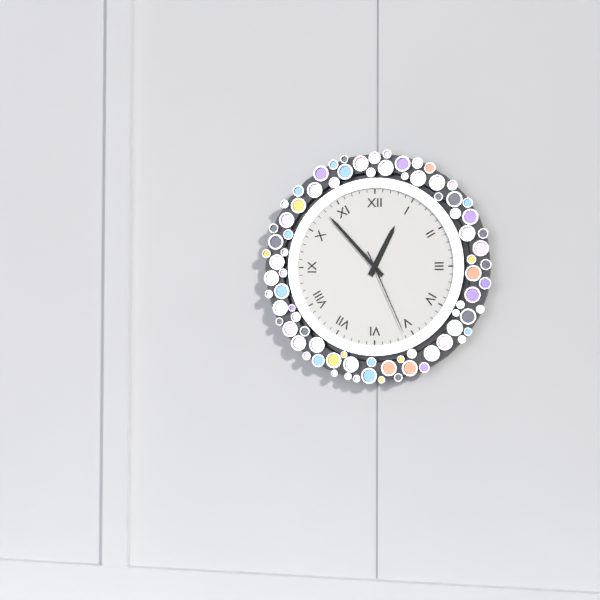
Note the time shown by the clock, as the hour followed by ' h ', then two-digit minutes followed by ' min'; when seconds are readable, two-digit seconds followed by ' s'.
12 h 53 min 26 s
